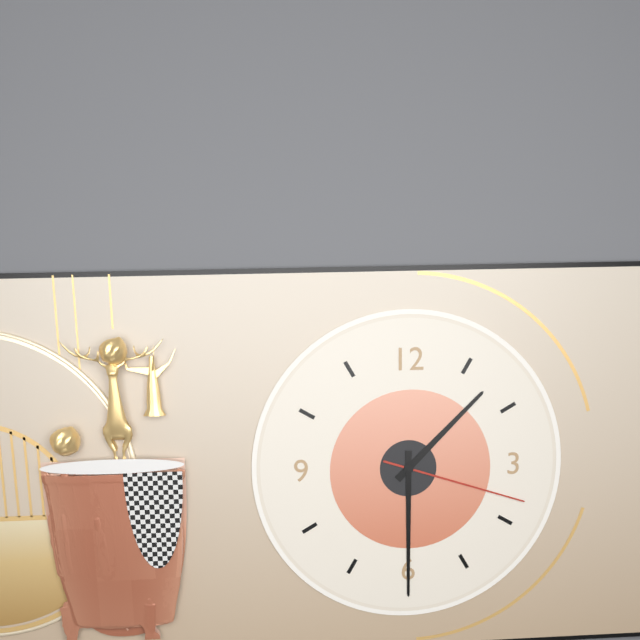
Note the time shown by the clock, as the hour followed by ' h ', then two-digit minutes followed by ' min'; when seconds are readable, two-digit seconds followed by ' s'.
1 h 30 min 18 s
